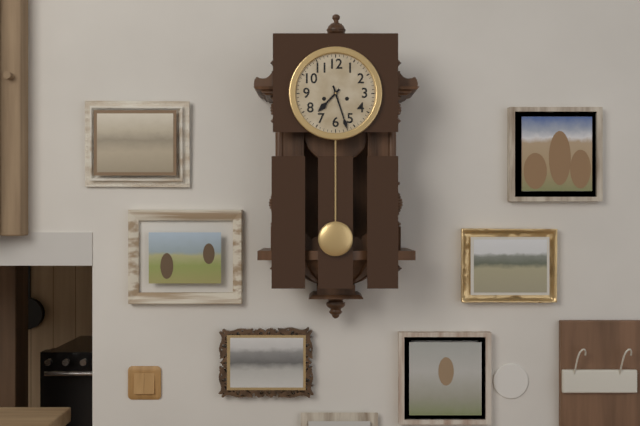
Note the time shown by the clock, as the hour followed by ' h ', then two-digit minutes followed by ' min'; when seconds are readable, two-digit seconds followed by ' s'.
7 h 27 min
